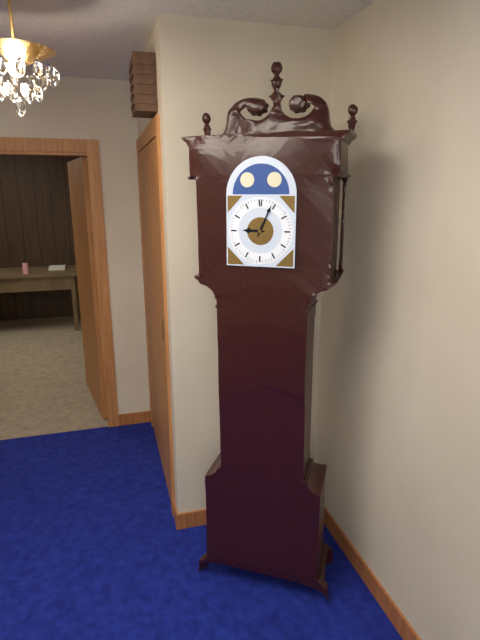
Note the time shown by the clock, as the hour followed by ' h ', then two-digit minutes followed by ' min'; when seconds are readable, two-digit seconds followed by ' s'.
9 h 04 min
